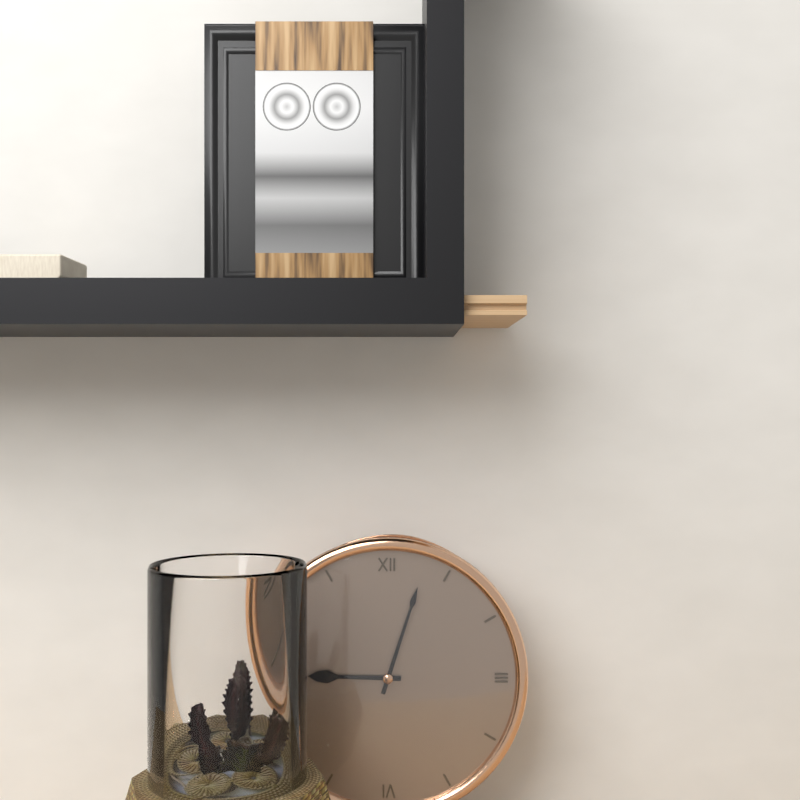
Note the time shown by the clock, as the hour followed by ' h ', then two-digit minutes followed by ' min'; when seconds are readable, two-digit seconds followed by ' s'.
9 h 03 min
